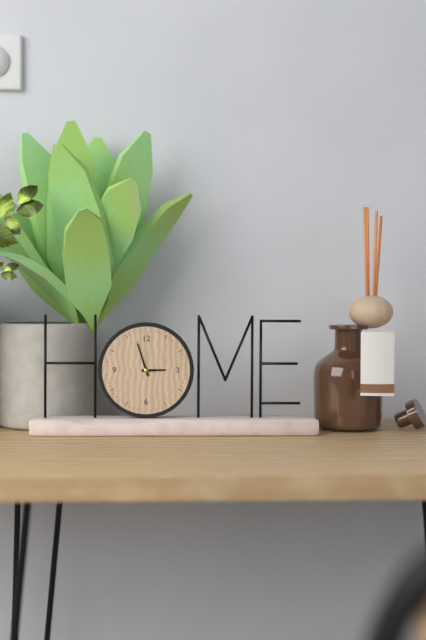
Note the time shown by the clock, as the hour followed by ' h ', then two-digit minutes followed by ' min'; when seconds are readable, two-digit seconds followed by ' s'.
2 h 57 min
